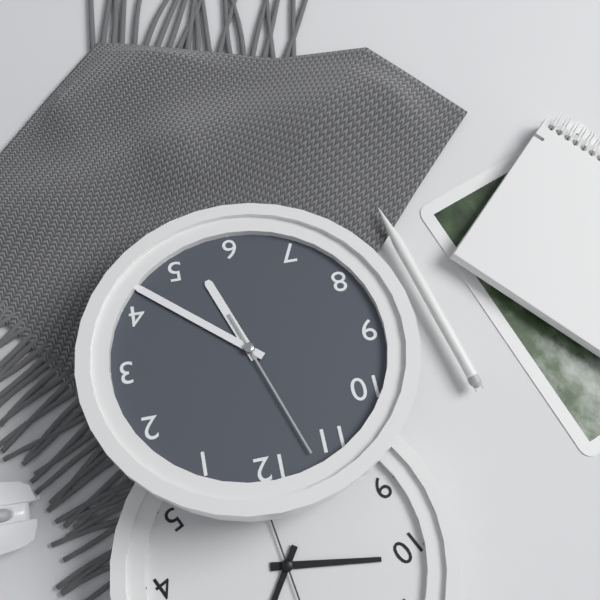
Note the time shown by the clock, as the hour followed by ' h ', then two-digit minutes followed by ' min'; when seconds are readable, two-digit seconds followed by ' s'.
5 h 22 min 57 s
